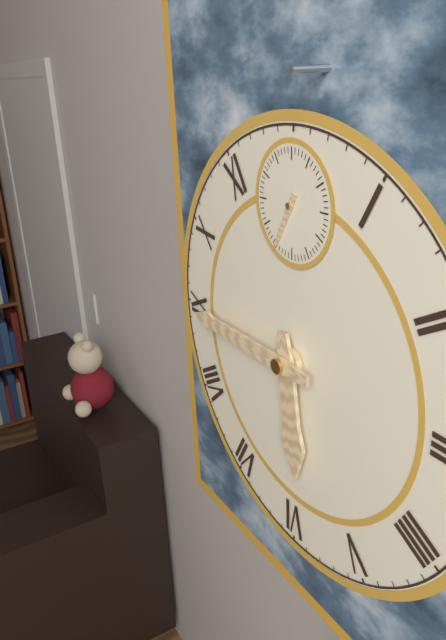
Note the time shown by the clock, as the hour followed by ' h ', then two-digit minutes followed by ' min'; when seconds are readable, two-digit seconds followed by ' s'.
5 h 45 min 35 s
